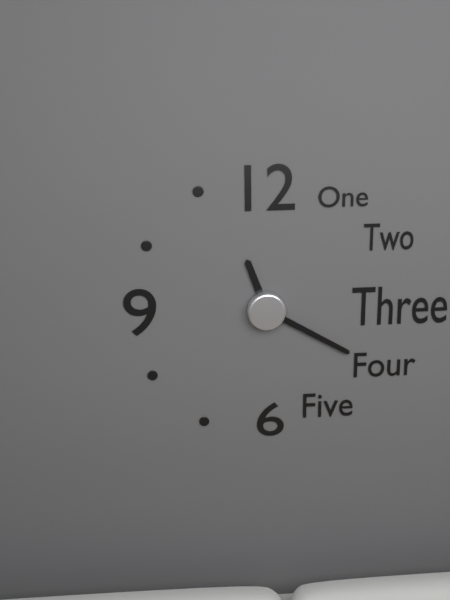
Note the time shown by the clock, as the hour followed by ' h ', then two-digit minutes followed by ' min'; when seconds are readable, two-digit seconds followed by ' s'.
11 h 20 min
